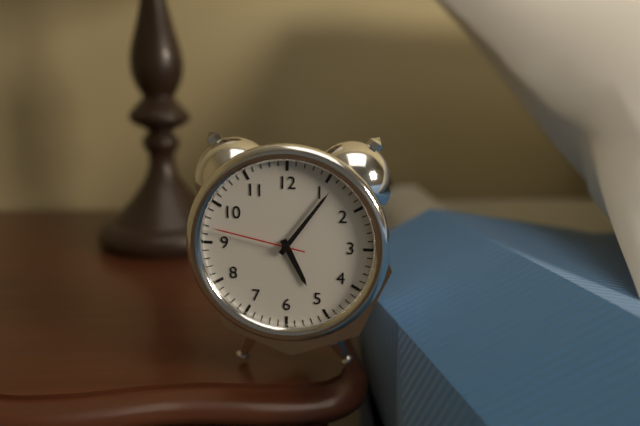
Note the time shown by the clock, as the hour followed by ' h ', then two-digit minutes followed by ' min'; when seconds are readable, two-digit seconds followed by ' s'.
5 h 06 min 47 s
